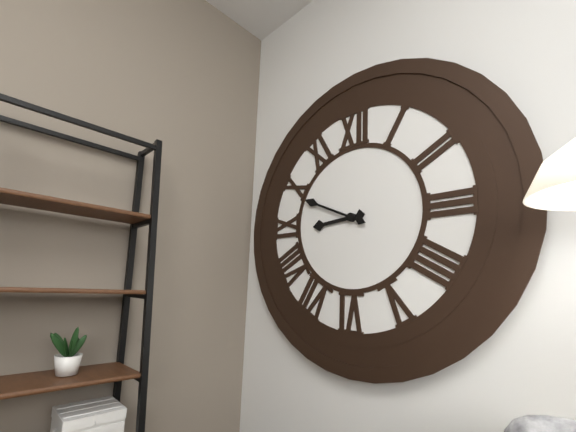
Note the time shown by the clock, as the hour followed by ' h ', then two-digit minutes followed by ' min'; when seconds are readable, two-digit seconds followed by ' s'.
8 h 49 min
